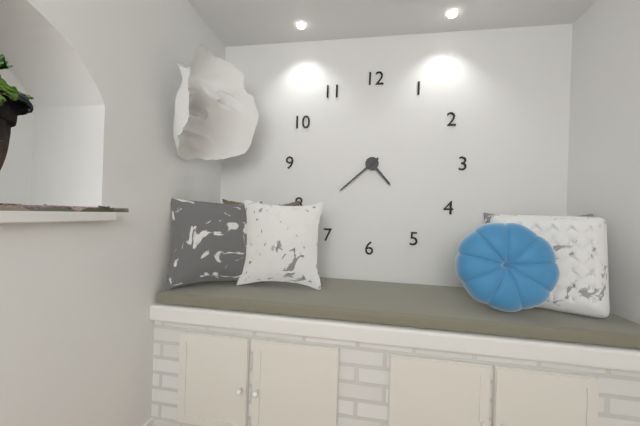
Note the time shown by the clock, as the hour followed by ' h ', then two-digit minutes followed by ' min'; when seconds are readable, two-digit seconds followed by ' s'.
4 h 38 min
